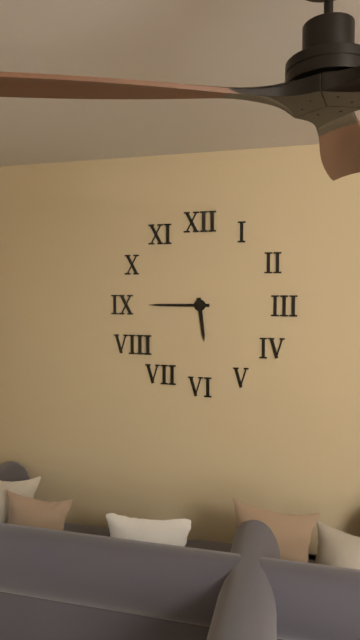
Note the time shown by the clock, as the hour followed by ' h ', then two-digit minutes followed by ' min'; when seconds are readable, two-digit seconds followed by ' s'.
5 h 45 min
